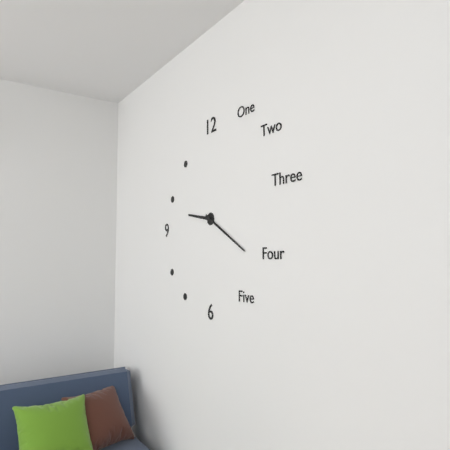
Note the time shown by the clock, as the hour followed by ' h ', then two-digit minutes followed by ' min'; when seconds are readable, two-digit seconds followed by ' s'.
9 h 20 min
